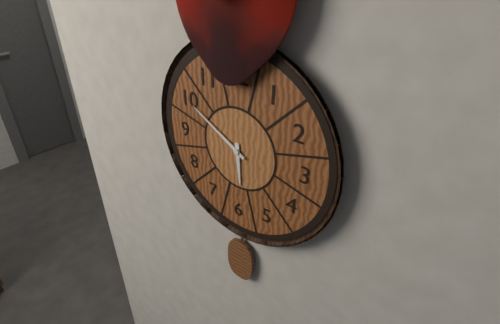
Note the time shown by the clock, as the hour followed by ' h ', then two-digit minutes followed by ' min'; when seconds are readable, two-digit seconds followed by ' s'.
5 h 50 min
